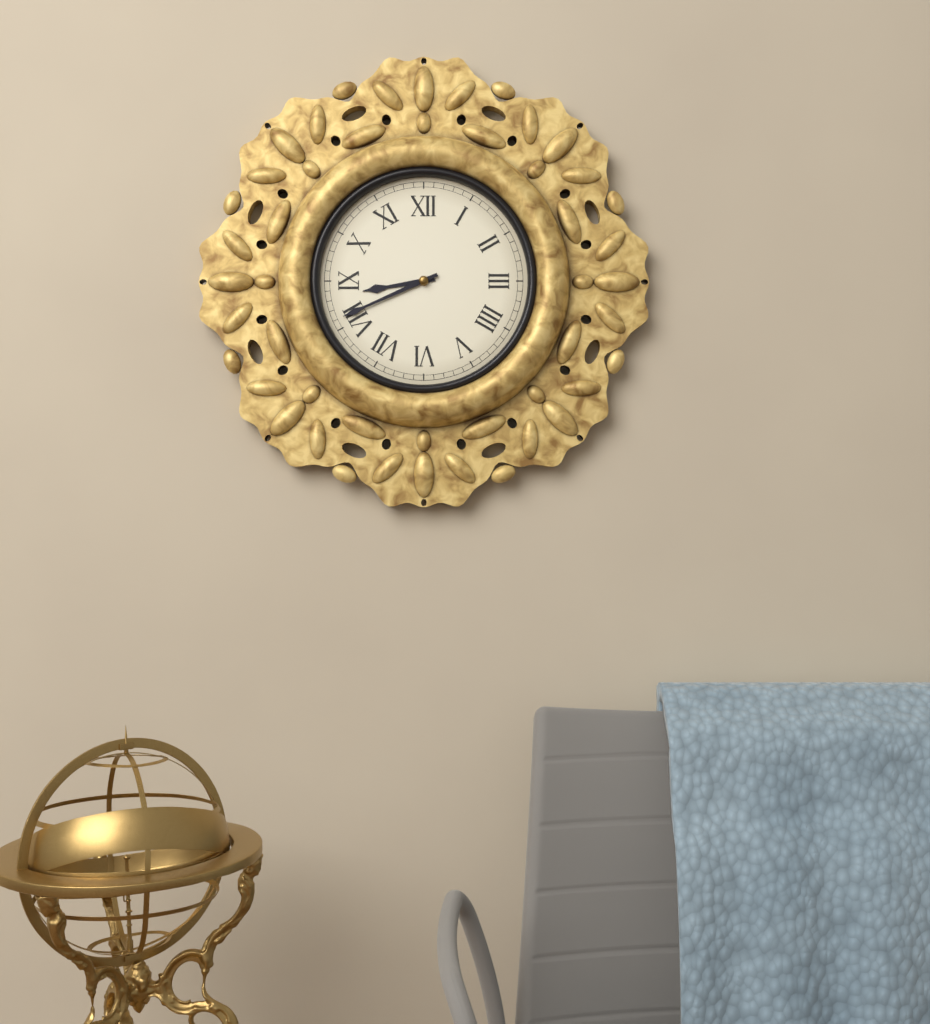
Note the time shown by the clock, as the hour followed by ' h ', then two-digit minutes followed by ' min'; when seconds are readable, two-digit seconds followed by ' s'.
8 h 41 min
